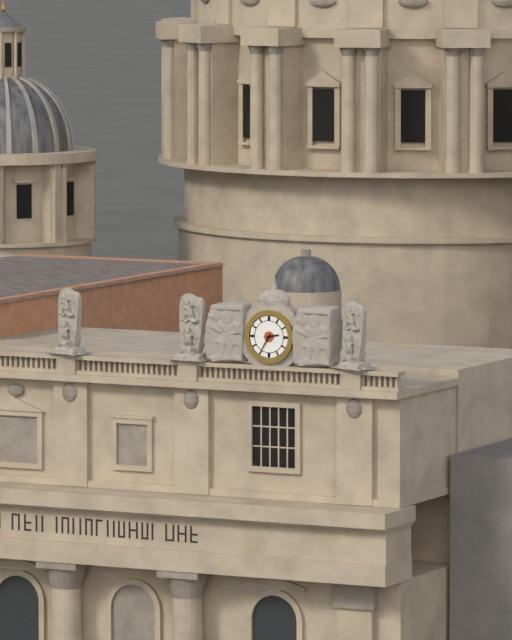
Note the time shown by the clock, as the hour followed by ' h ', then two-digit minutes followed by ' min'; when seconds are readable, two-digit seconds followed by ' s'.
2 h 35 min
